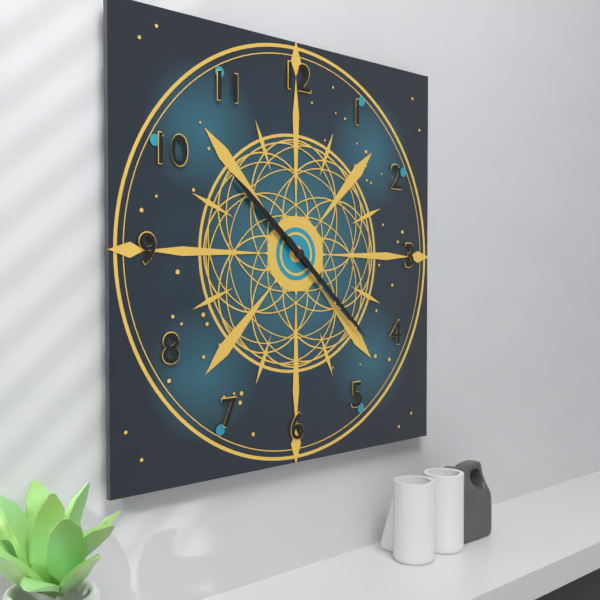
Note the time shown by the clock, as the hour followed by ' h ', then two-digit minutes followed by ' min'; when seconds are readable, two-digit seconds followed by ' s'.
10 h 22 min
